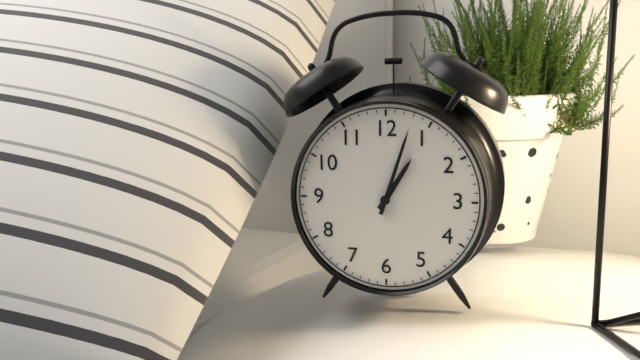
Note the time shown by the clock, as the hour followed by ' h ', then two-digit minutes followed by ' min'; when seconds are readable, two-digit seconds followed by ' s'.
1 h 03 min
